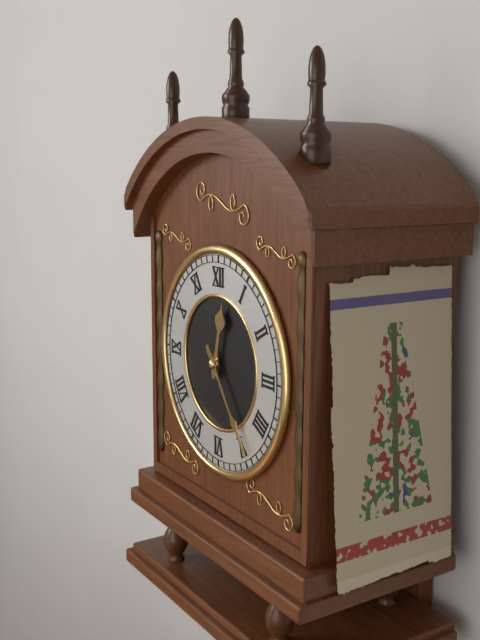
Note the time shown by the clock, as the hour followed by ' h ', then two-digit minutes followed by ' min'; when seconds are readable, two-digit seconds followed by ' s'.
12 h 24 min
